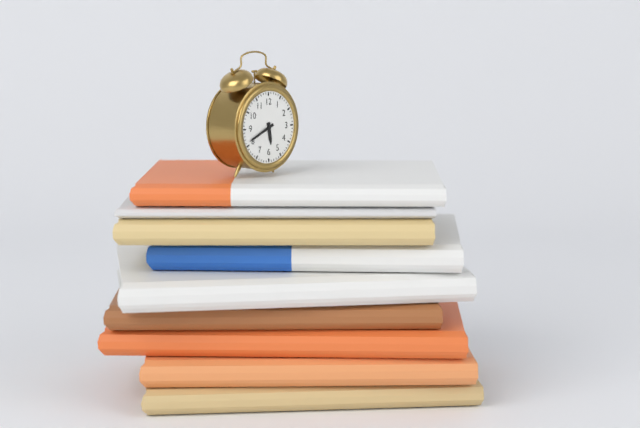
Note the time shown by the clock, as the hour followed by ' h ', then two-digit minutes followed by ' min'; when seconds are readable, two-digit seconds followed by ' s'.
5 h 41 min
